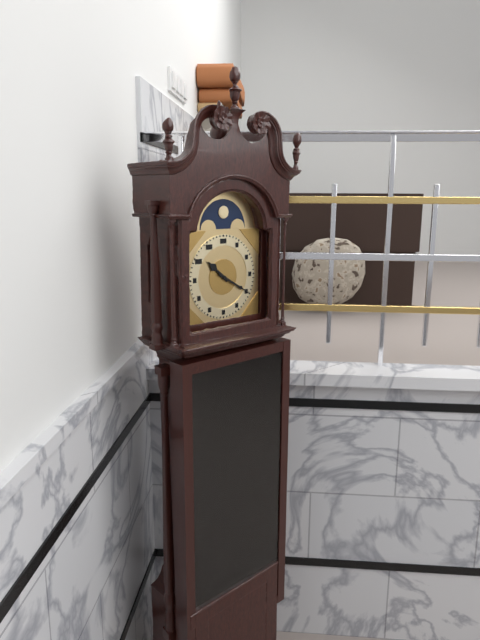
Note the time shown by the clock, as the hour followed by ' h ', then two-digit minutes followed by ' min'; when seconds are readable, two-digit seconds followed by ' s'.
10 h 20 min
